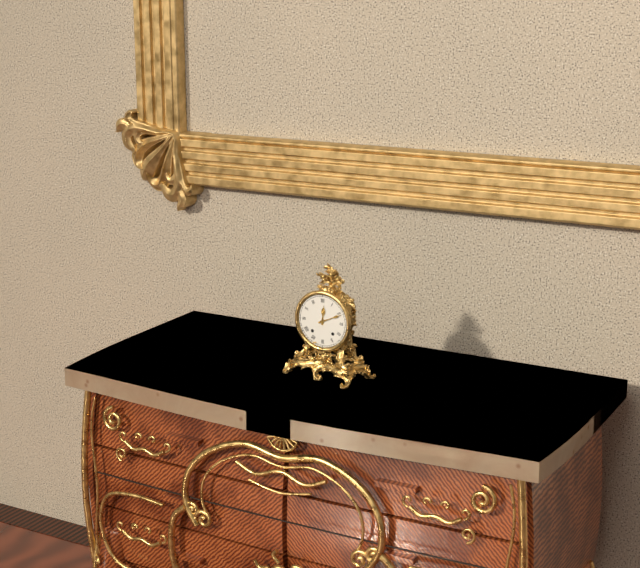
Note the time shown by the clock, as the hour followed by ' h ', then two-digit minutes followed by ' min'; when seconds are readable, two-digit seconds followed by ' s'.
12 h 11 min
